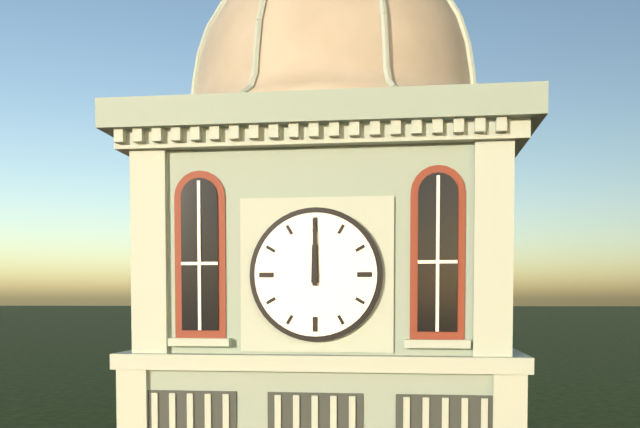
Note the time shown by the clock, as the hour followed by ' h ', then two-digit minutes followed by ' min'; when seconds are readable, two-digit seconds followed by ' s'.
12 h 00 min
